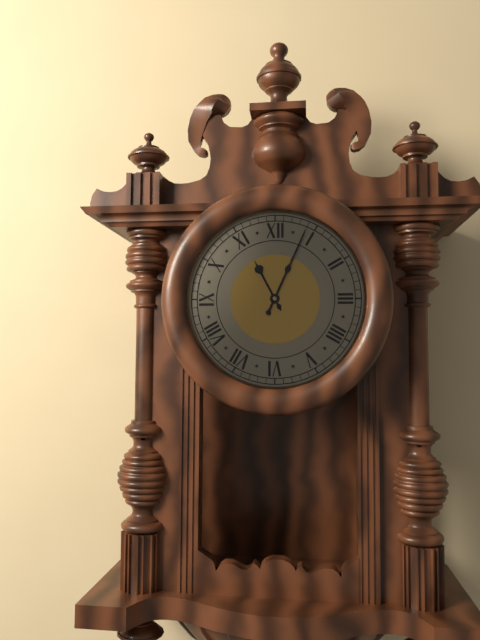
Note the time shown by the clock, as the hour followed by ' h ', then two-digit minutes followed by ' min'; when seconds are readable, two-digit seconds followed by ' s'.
11 h 04 min
